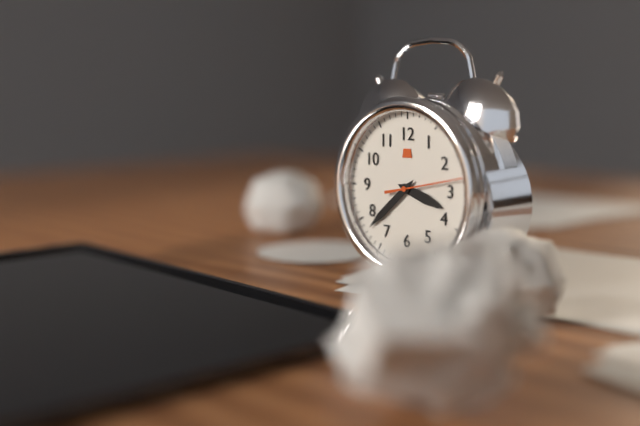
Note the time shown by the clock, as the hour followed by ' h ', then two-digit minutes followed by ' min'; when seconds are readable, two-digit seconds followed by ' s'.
3 h 38 min 13 s
